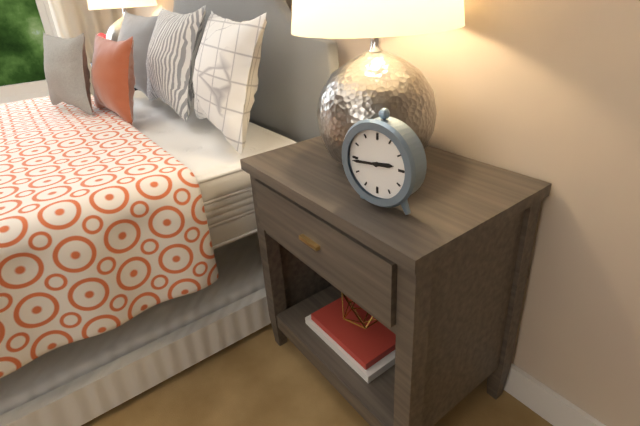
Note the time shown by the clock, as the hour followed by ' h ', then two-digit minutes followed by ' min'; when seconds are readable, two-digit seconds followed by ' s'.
2 h 44 min
